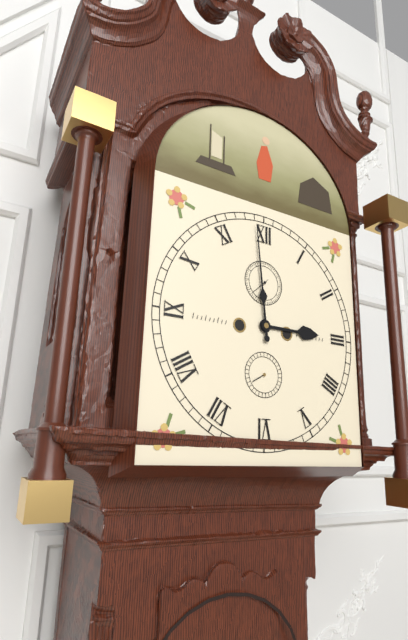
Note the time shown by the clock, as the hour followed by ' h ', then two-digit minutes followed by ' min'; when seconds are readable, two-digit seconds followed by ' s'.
2 h 59 min
